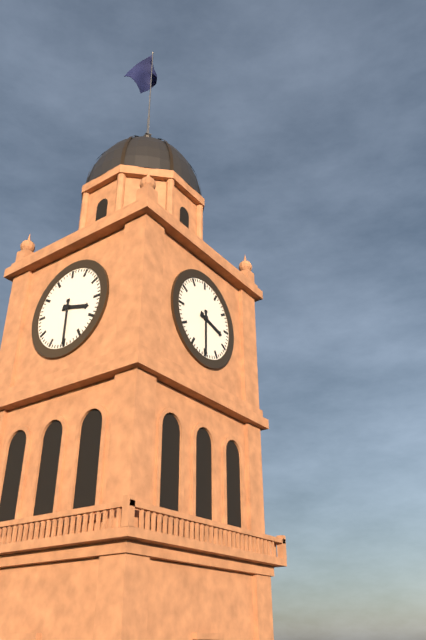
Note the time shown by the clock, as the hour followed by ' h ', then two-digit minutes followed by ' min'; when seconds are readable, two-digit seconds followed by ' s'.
3 h 30 min
